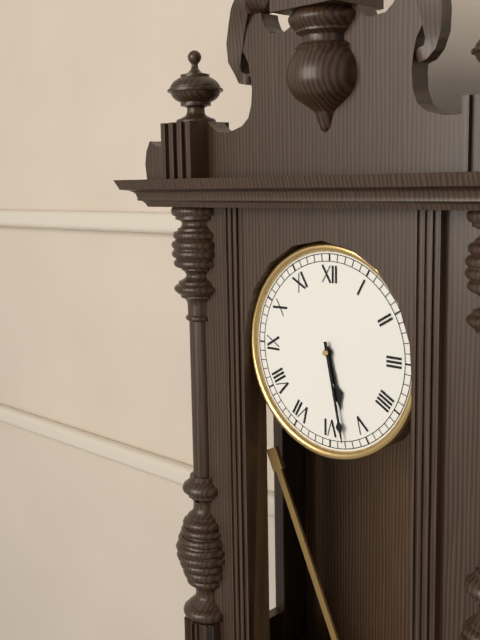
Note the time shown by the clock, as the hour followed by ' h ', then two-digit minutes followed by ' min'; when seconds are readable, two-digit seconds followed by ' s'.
5 h 28 min
